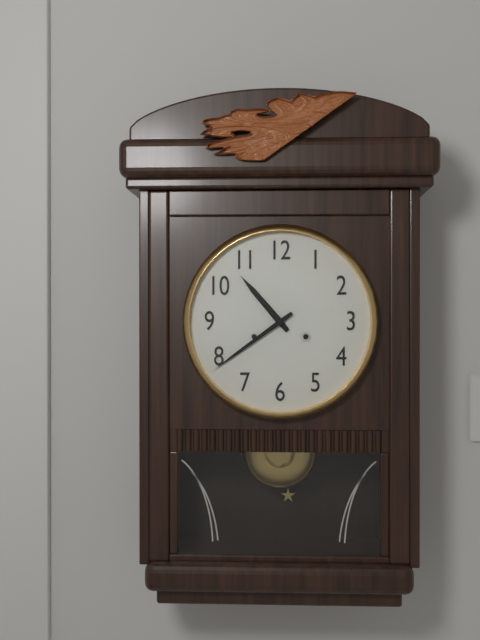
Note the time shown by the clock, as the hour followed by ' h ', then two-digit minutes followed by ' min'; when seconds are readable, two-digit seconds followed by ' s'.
10 h 39 min
